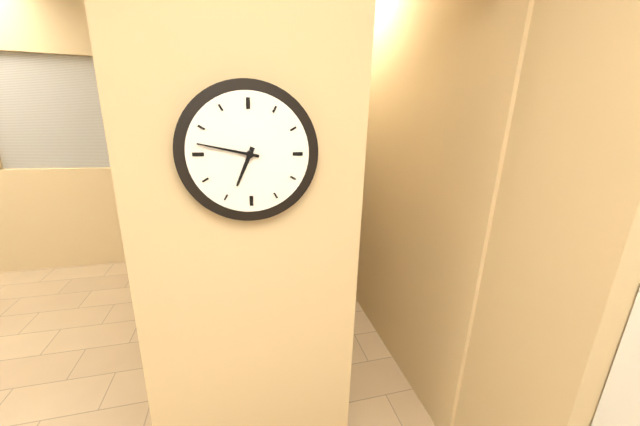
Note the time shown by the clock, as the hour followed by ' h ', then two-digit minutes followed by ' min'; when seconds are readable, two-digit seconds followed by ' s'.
6 h 47 min
